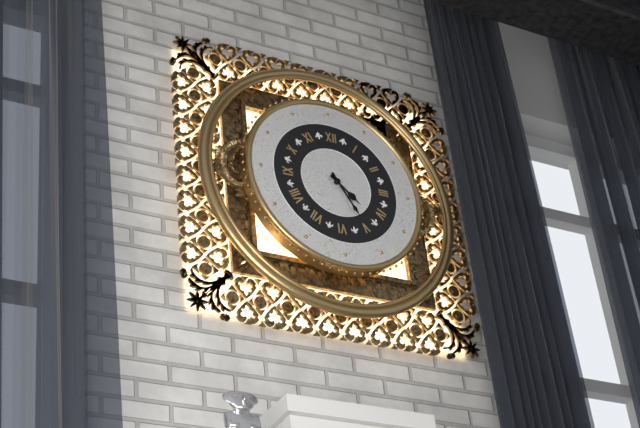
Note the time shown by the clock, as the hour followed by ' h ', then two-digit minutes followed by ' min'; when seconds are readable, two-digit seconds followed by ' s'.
4 h 25 min
